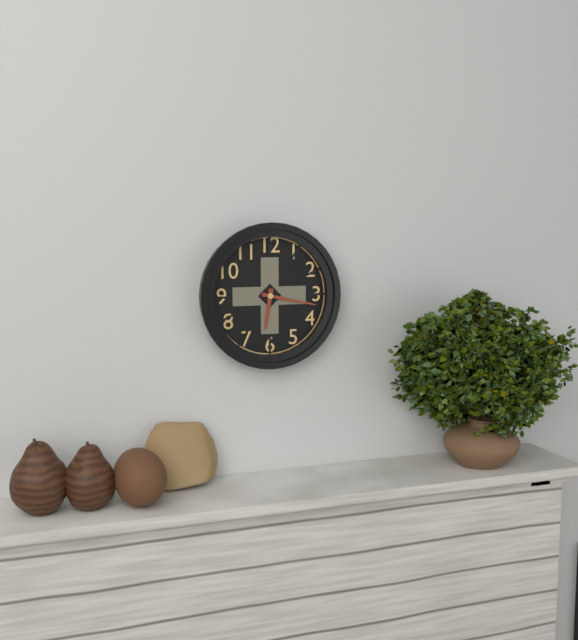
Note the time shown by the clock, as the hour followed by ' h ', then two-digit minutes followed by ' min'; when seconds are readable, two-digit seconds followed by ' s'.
6 h 17 min
